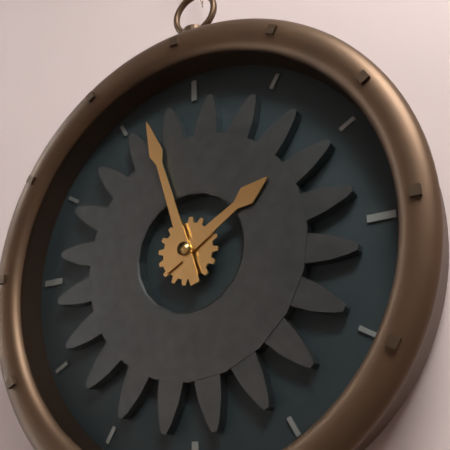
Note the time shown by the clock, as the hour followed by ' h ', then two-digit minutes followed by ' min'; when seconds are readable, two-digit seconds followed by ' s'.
1 h 57 min
